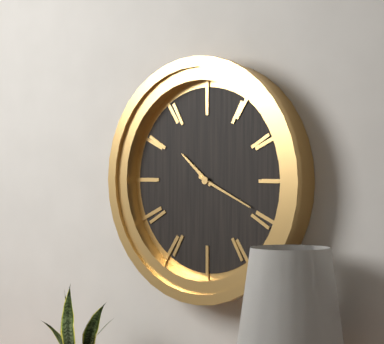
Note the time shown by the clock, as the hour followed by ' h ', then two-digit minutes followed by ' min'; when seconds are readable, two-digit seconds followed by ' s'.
10 h 19 min
